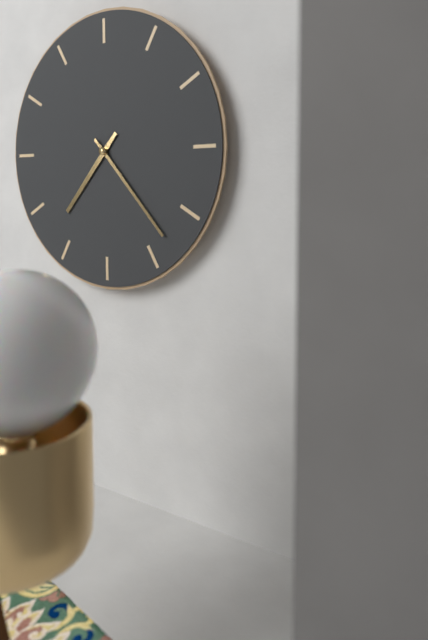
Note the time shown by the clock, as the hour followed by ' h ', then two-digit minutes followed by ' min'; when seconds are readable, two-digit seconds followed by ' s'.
7 h 23 min
